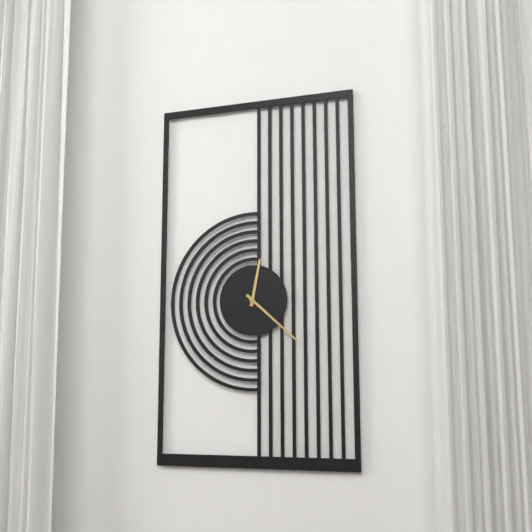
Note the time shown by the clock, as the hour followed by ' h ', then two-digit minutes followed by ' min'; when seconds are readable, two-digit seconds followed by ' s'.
12 h 22 min
